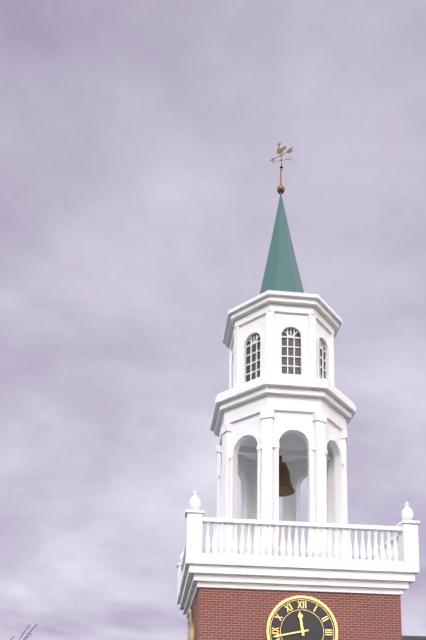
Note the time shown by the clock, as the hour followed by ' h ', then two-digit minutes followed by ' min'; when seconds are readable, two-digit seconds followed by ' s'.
11 h 43 min
